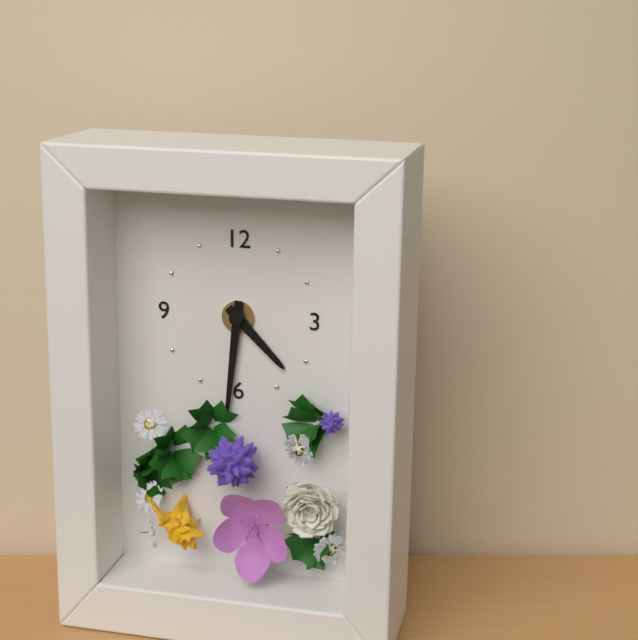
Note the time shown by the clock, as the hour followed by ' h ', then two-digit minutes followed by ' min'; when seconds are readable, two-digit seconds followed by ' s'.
4 h 31 min
